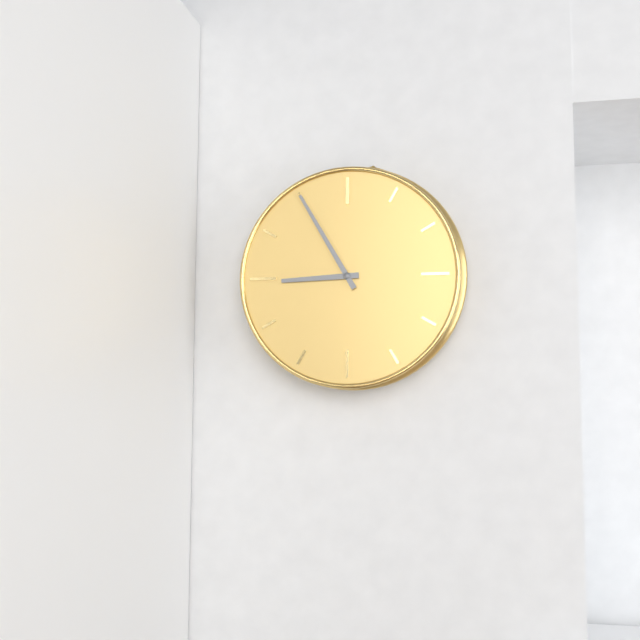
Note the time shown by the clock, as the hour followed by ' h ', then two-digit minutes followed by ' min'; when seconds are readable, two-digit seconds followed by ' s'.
8 h 55 min
